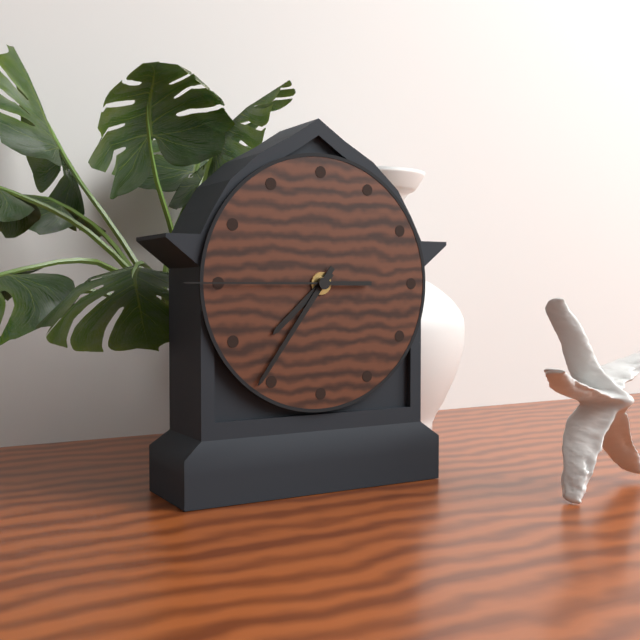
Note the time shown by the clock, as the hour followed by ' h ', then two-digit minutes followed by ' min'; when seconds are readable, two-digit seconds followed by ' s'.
7 h 36 min 45 s
